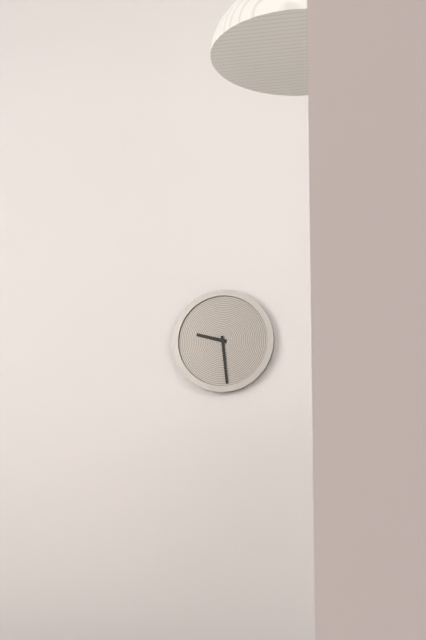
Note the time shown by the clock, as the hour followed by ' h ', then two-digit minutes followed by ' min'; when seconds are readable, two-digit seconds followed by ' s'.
9 h 29 min
